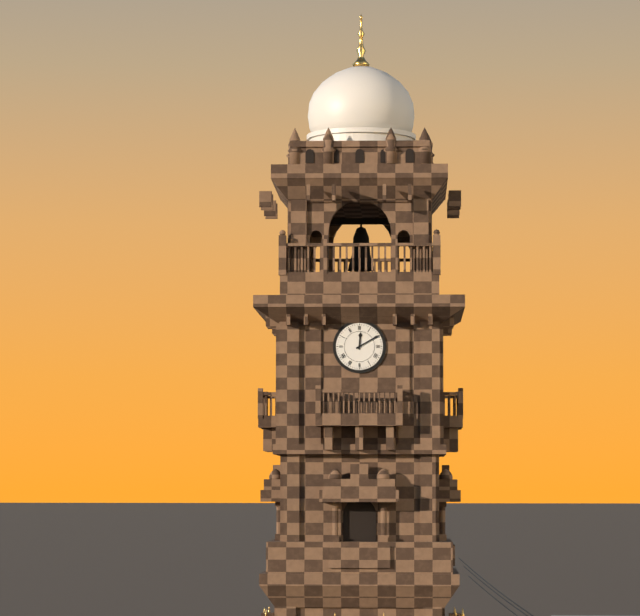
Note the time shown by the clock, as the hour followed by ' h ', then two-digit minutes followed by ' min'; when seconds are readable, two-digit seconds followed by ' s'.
12 h 10 min
